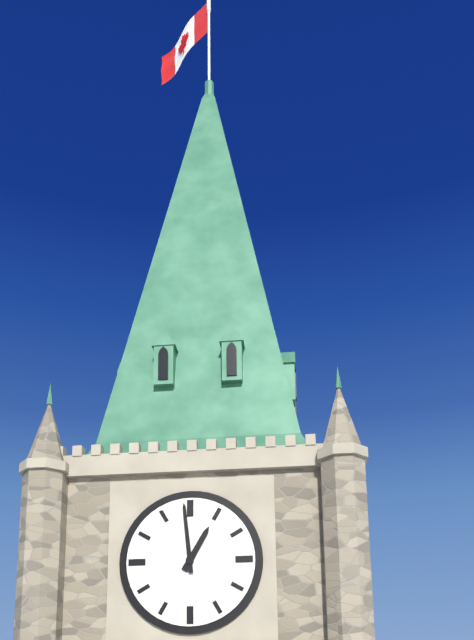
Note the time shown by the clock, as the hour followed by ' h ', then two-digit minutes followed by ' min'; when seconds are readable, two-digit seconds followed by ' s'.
12 h 59 min
